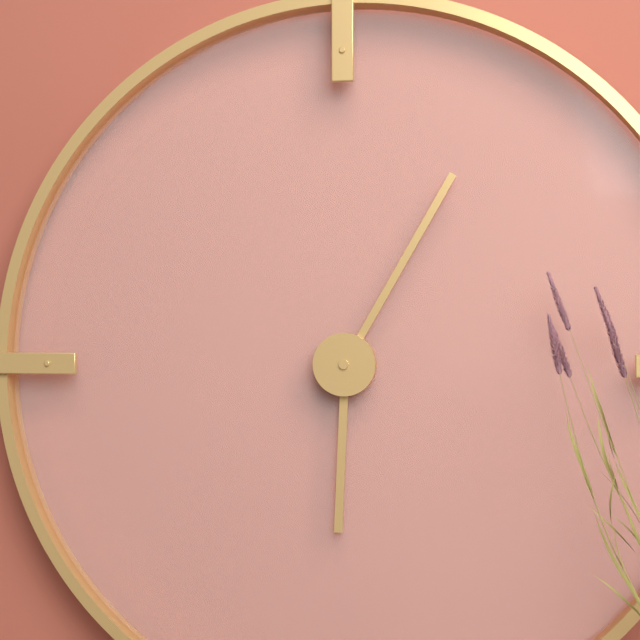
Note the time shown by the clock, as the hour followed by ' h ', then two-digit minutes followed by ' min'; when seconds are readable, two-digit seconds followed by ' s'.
6 h 05 min
